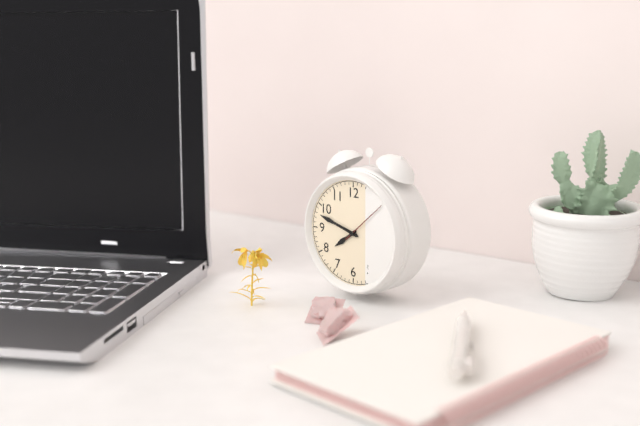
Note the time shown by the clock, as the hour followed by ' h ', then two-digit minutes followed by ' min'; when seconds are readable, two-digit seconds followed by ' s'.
7 h 48 min 08 s
